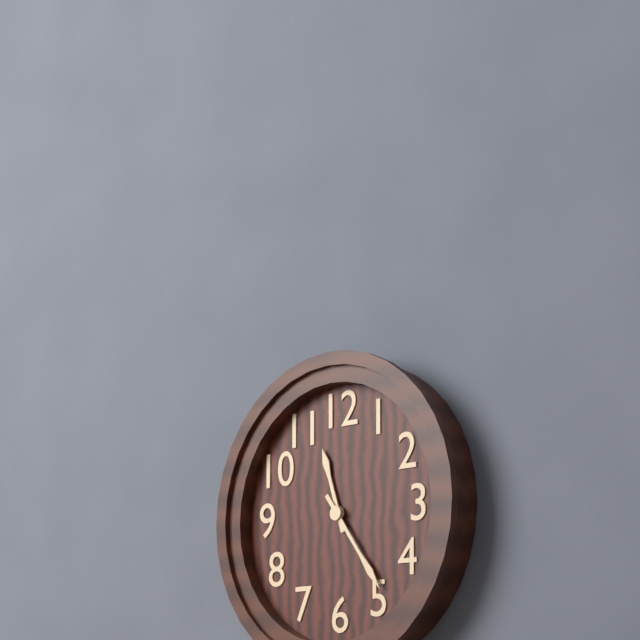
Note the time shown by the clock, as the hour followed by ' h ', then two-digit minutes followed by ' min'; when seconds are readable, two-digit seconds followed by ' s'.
11 h 24 min
